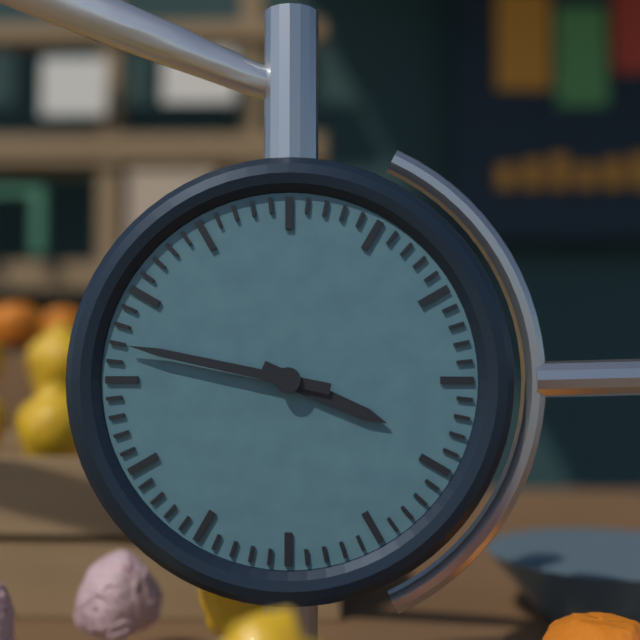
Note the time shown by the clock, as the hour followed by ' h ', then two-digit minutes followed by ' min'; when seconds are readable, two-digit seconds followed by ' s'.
3 h 47 min
